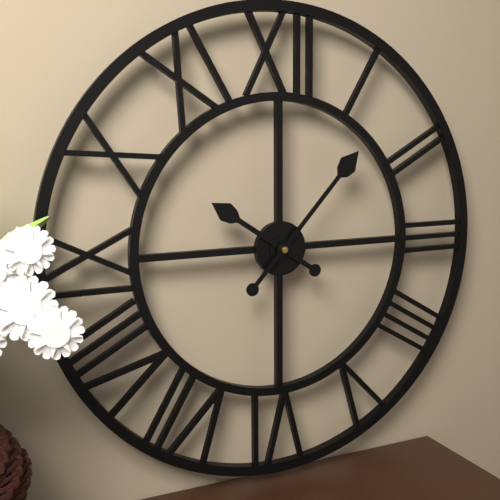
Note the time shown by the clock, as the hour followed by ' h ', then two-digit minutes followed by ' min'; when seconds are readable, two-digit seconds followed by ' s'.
10 h 07 min
